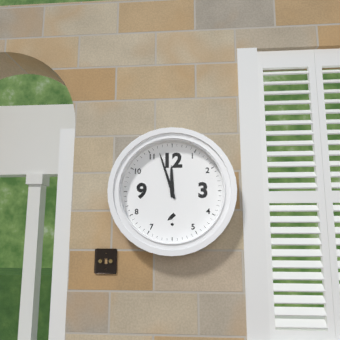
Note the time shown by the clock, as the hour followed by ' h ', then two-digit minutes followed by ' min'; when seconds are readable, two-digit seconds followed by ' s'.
11 h 57 min
